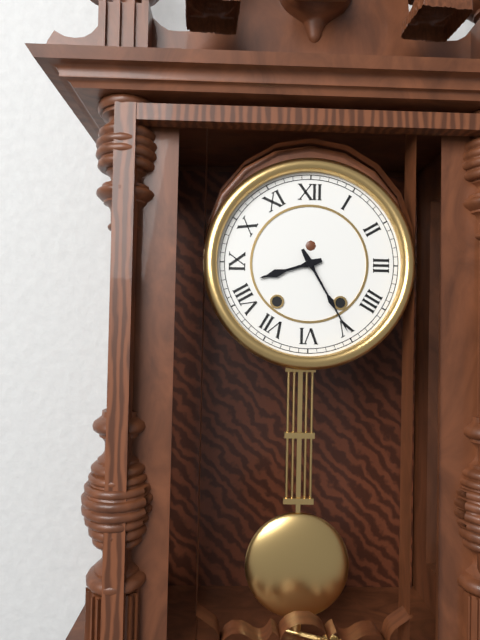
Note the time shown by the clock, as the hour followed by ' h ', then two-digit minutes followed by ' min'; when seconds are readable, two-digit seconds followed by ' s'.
8 h 25 min
